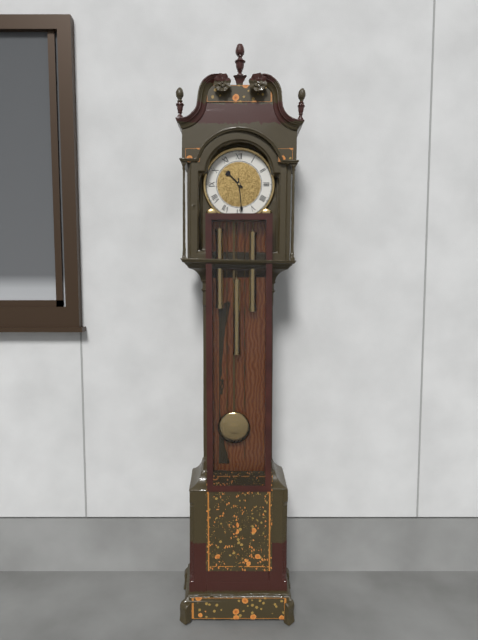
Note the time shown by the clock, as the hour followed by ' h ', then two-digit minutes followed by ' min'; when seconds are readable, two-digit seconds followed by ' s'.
10 h 29 min
